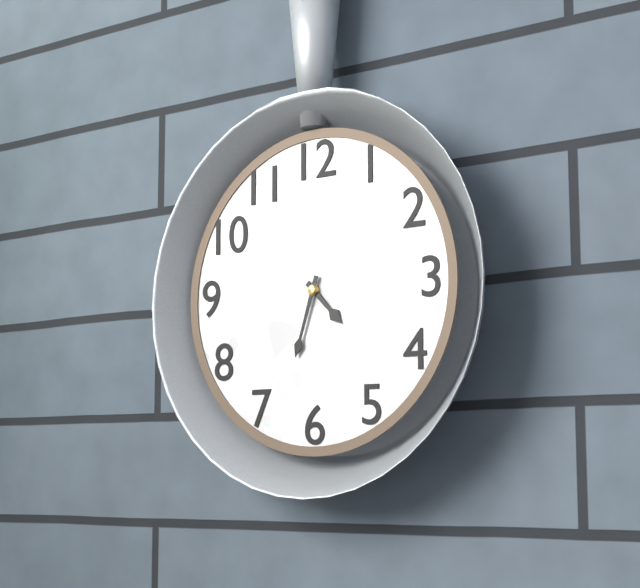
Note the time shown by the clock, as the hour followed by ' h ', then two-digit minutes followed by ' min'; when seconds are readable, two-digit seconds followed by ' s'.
4 h 33 min
